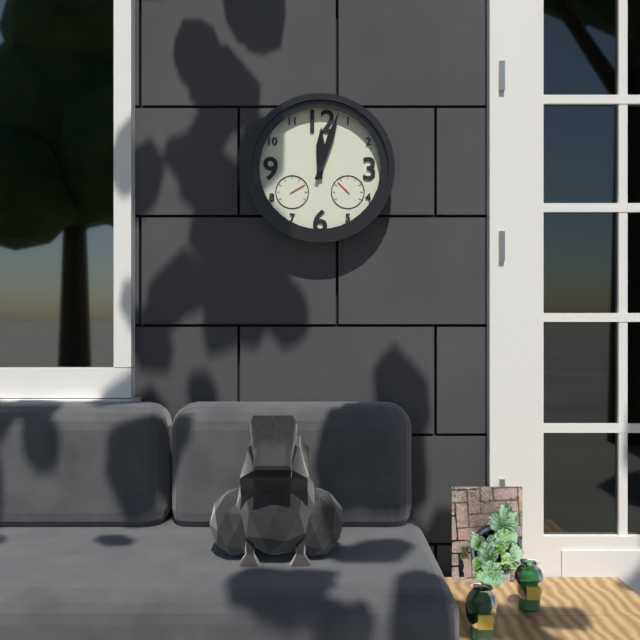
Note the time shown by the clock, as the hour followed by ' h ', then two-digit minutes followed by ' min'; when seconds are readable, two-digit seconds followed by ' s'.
12 h 03 min
